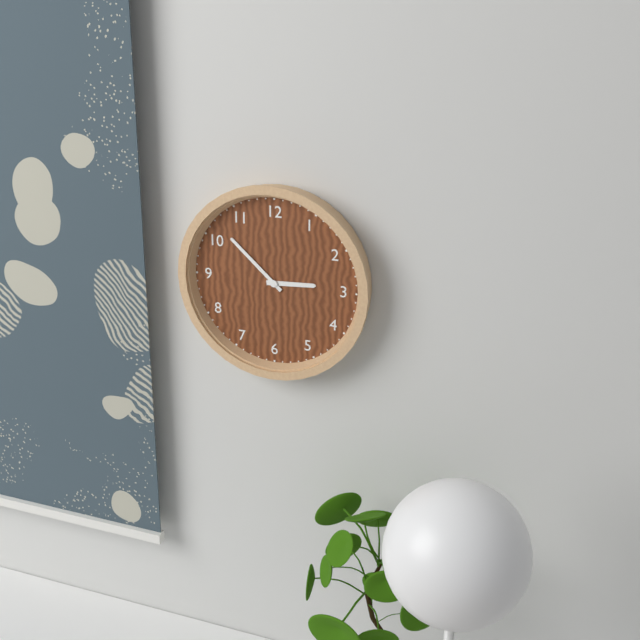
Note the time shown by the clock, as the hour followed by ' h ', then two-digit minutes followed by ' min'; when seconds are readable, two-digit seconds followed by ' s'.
2 h 52 min
